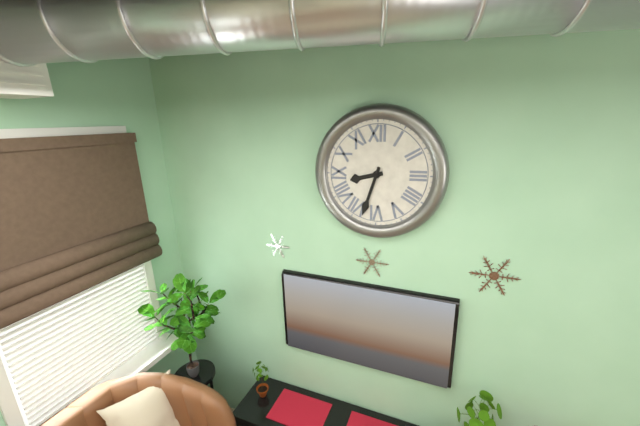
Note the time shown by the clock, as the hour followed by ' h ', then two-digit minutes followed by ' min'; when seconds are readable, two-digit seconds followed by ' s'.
8 h 33 min
